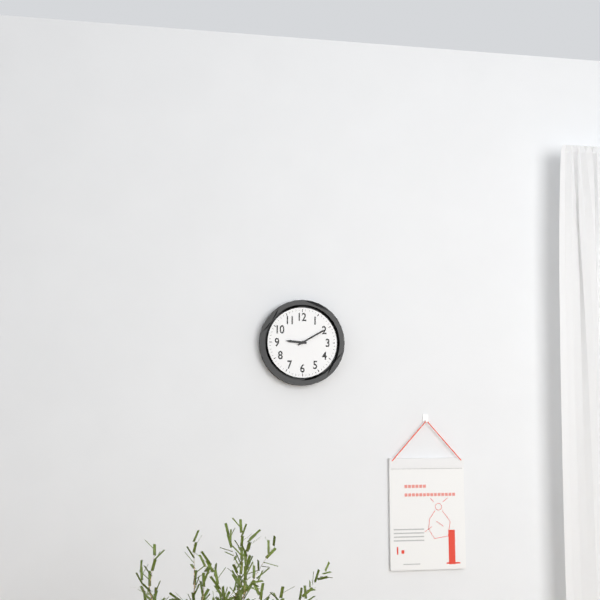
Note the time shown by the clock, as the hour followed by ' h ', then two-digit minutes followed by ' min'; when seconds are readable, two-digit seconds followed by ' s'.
9 h 10 min
